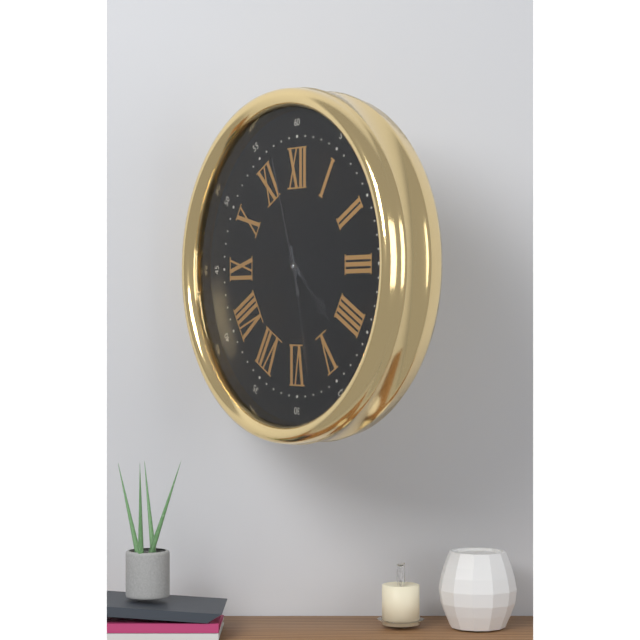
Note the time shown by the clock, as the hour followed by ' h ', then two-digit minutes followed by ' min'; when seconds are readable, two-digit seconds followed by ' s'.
4 h 28 min 57 s
